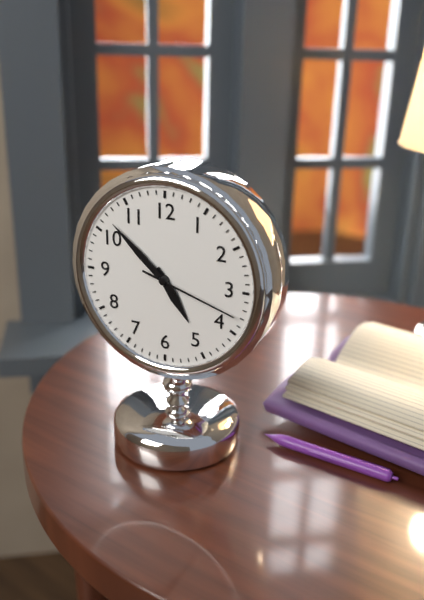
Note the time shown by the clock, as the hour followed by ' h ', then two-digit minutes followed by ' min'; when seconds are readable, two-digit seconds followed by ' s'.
4 h 52 min 18 s
